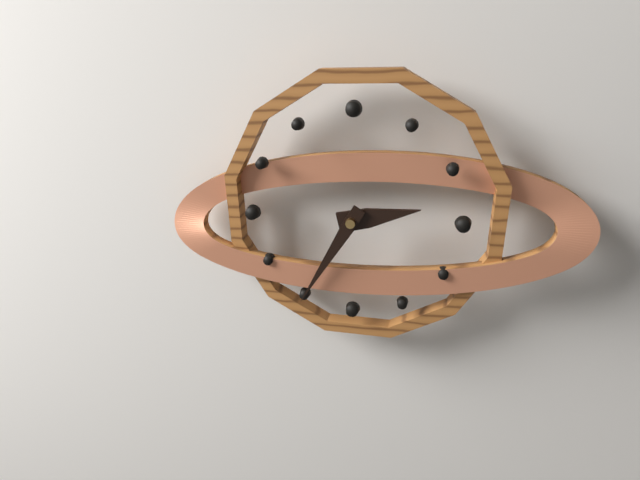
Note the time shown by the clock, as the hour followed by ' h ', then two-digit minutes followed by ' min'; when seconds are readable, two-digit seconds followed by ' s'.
2 h 35 min
